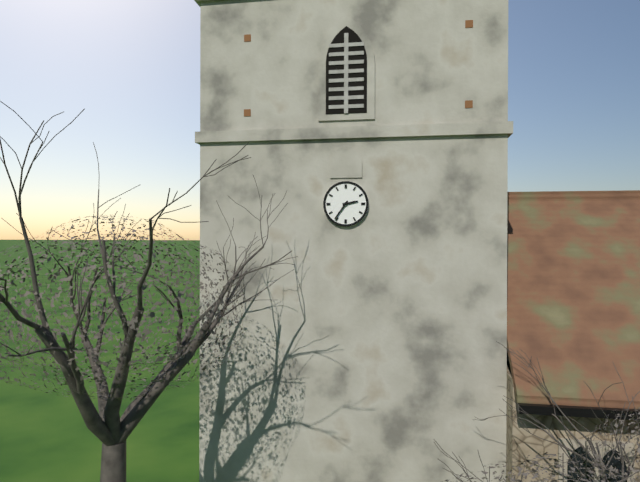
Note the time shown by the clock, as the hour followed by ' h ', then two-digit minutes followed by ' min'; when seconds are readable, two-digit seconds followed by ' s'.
2 h 36 min
